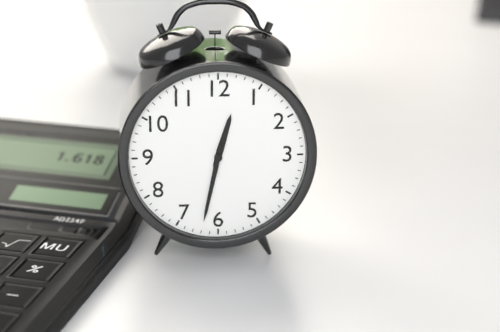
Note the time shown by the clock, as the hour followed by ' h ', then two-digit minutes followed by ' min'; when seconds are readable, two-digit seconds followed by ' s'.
12 h 32 min
